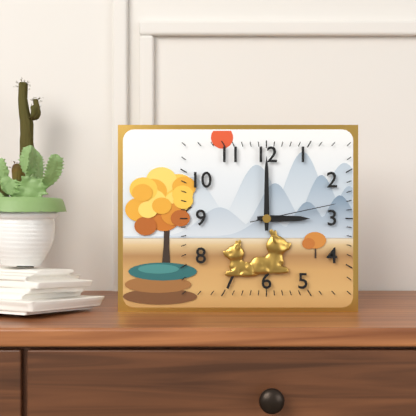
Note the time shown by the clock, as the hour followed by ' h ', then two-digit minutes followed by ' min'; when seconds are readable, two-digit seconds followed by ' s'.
3 h 00 min 13 s
